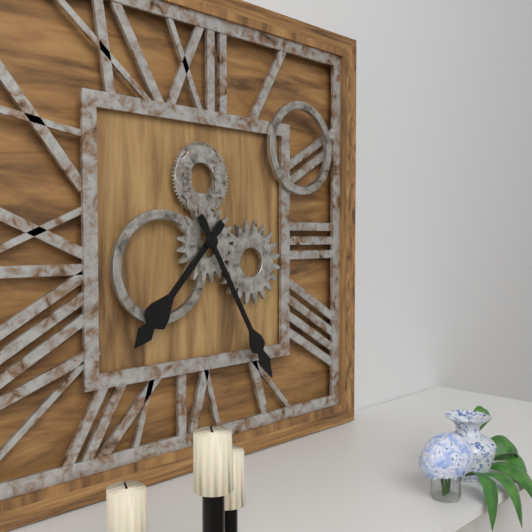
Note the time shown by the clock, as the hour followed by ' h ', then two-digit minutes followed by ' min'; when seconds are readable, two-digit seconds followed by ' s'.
7 h 25 min
